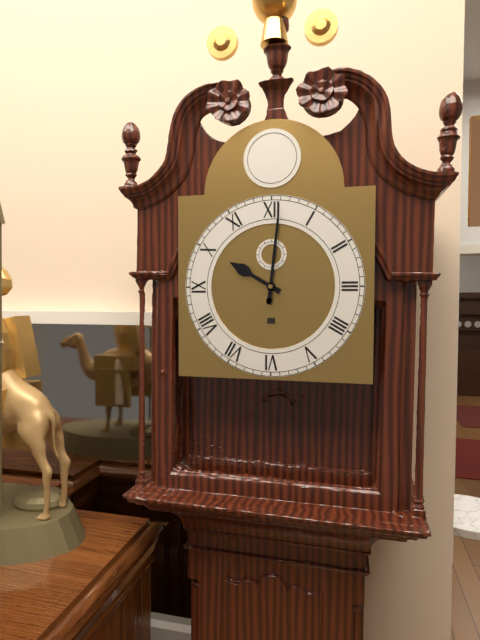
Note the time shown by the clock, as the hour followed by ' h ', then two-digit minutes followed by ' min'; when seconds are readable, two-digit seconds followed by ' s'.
10 h 01 min
